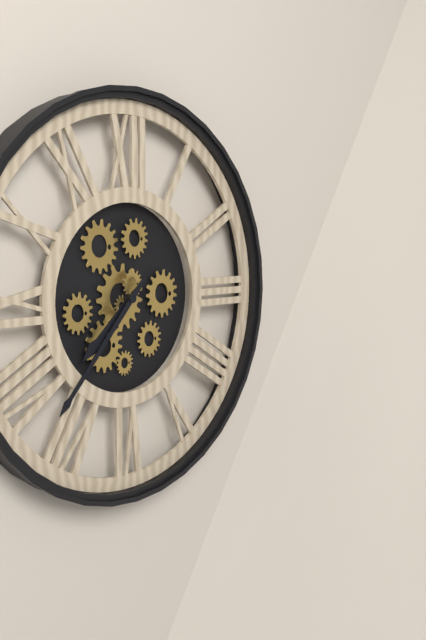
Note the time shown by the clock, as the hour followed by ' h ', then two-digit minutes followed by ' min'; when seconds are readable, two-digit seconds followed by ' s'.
7 h 37 min
